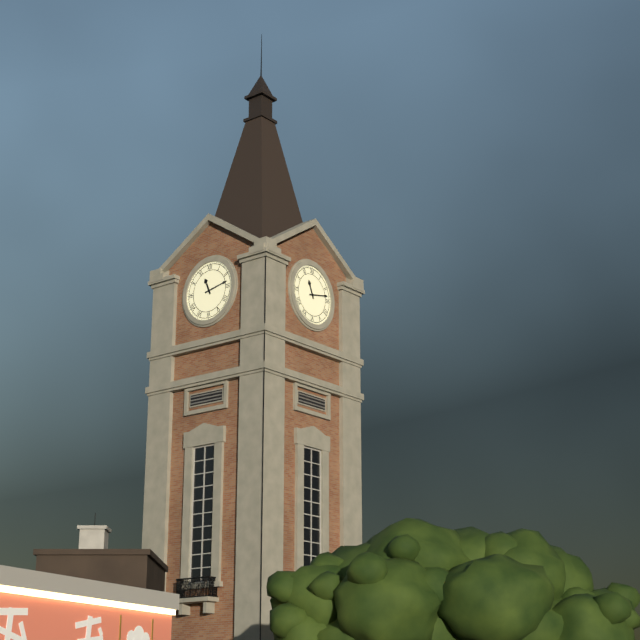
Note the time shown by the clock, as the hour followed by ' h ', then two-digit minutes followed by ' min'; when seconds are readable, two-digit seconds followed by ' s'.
11 h 13 min
